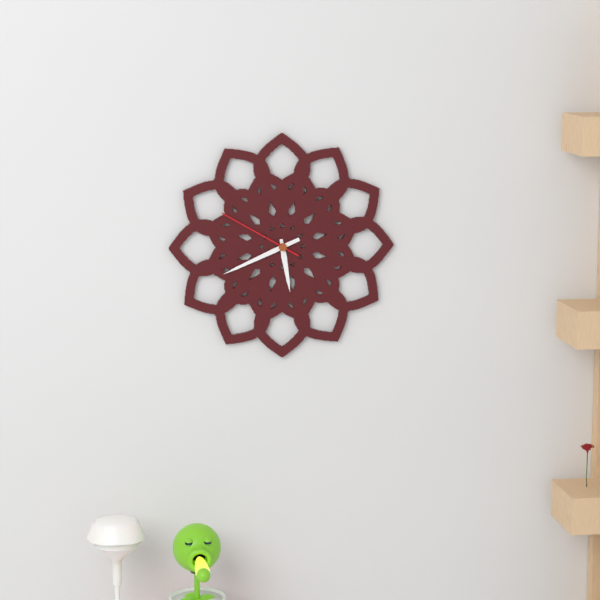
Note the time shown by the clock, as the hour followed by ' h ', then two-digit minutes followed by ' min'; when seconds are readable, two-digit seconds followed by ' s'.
5 h 41 min 50 s
